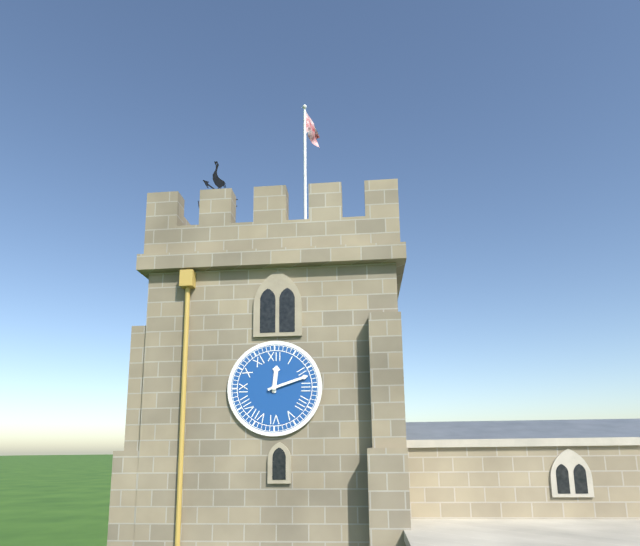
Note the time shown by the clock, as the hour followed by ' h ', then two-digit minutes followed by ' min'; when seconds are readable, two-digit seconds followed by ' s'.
12 h 12 min
